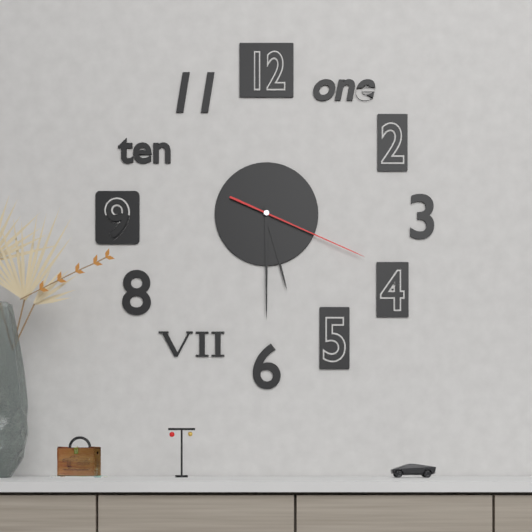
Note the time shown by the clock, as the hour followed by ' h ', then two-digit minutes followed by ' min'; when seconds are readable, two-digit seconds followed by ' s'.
5 h 30 min 19 s
